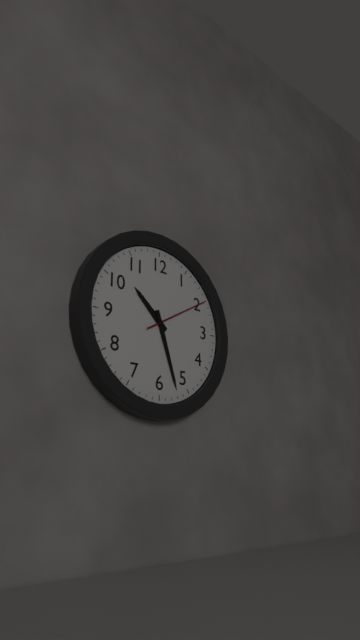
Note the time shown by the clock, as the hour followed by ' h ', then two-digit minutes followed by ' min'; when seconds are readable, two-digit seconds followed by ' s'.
10 h 27 min 10 s
